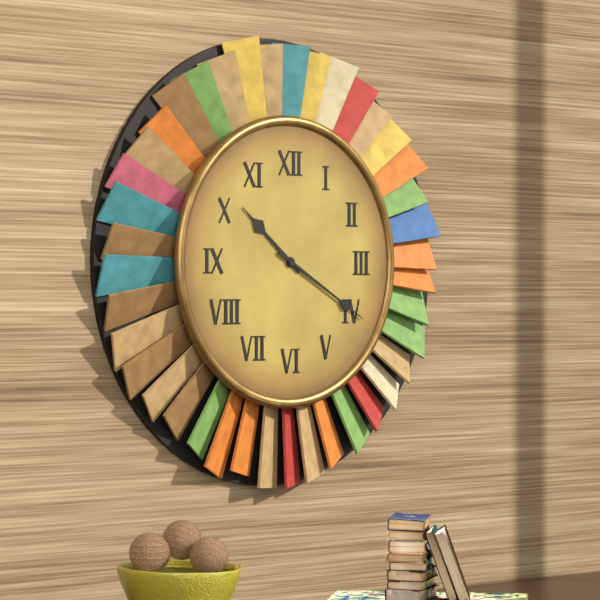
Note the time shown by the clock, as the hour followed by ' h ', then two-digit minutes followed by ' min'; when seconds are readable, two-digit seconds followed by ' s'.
10 h 20 min
